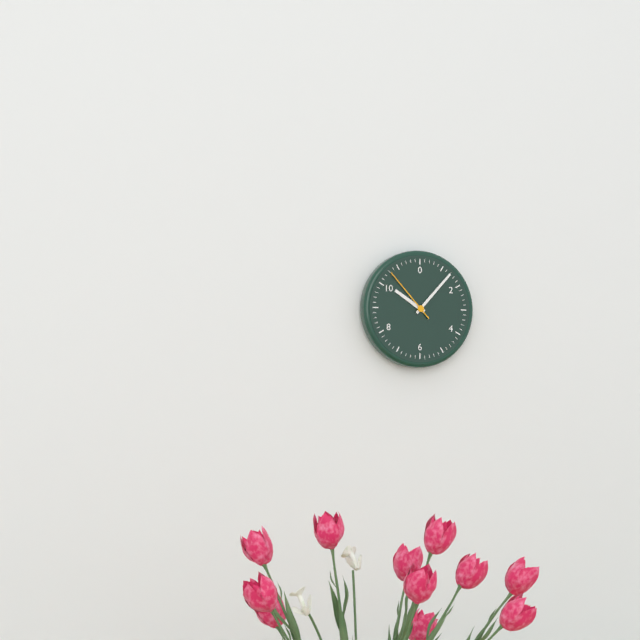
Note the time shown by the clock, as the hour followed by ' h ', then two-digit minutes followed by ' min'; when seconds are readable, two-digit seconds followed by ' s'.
10 h 07 min 53 s
